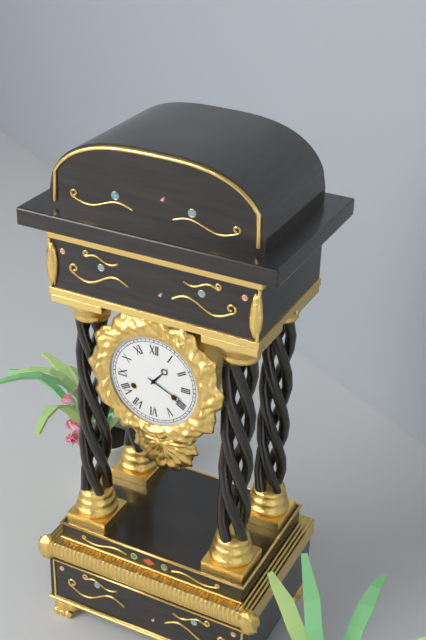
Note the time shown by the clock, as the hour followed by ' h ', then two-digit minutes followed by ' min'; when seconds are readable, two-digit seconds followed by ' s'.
1 h 19 min
